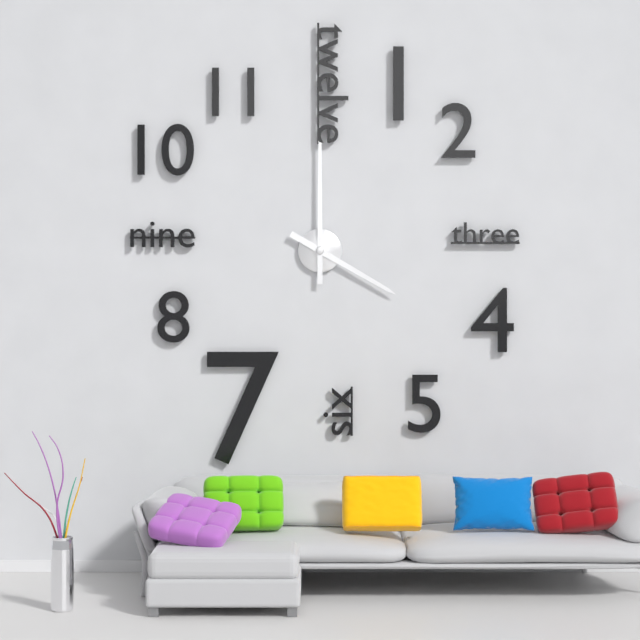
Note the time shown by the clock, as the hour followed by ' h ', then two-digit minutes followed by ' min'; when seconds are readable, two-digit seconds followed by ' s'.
4 h 00 min
